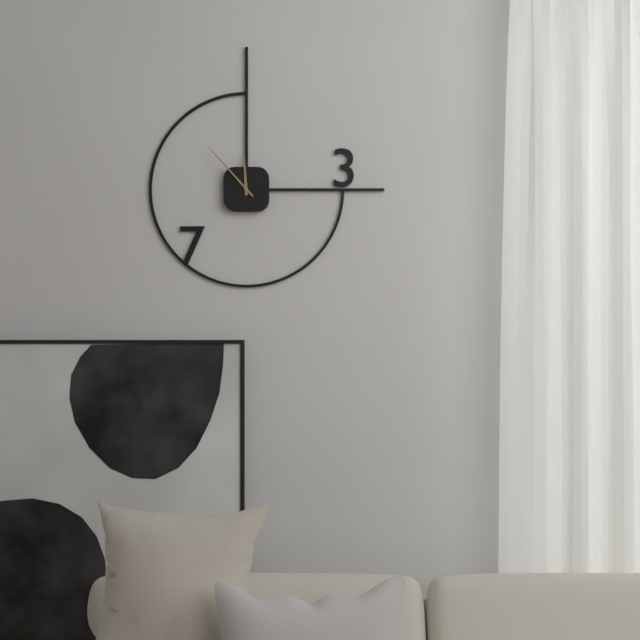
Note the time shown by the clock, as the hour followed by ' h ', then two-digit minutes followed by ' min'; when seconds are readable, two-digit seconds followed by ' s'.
11 h 53 min
